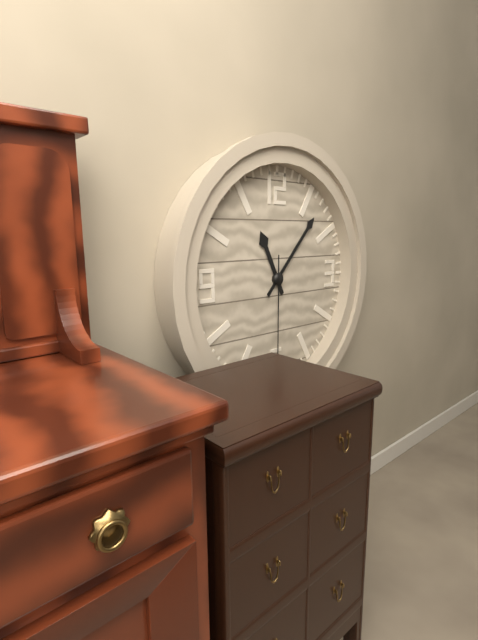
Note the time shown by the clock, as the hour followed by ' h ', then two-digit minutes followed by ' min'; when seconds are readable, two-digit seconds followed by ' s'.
11 h 07 min 30 s
